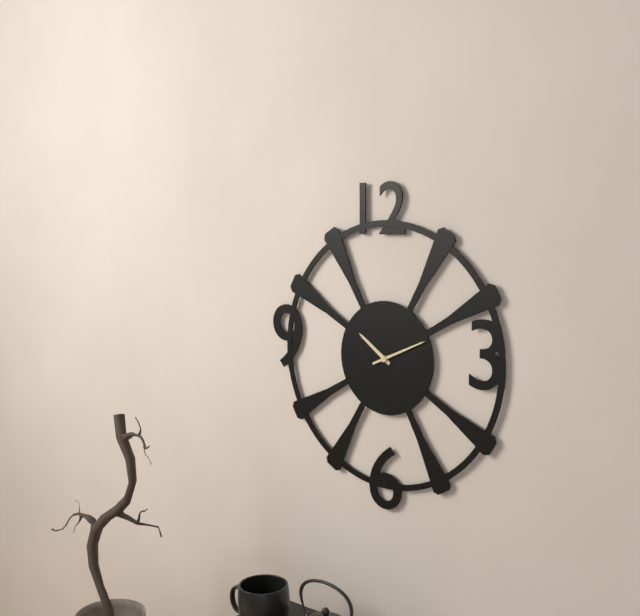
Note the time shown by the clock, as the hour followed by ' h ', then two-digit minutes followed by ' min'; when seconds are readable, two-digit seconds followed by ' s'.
10 h 11 min
